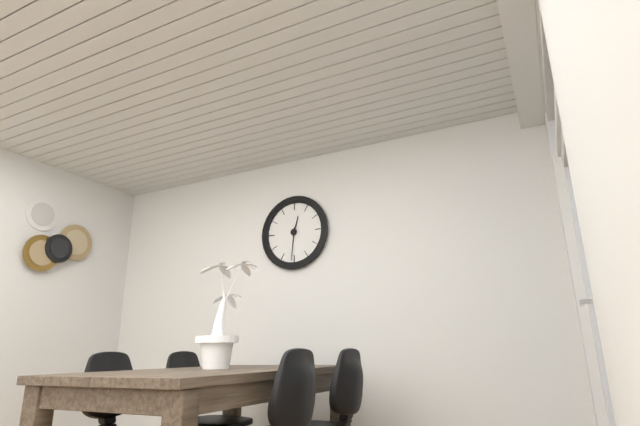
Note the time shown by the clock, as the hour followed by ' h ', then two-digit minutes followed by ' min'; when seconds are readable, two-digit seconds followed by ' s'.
12 h 31 min
